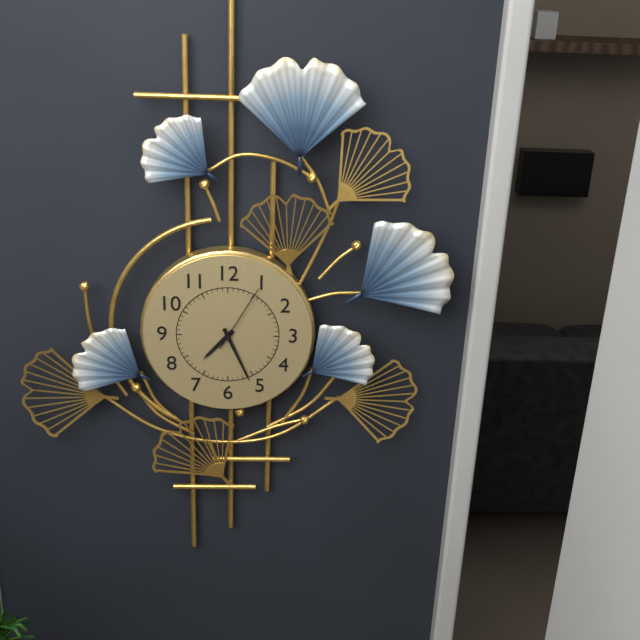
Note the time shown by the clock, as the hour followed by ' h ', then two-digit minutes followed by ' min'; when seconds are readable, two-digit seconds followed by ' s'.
7 h 26 min 05 s
